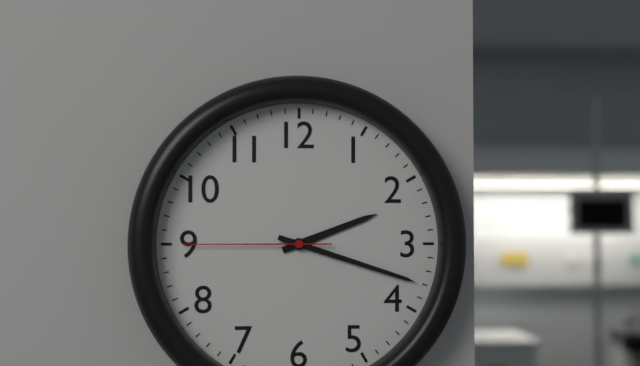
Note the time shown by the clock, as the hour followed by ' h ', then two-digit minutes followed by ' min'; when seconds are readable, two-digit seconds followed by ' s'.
2 h 18 min 45 s
